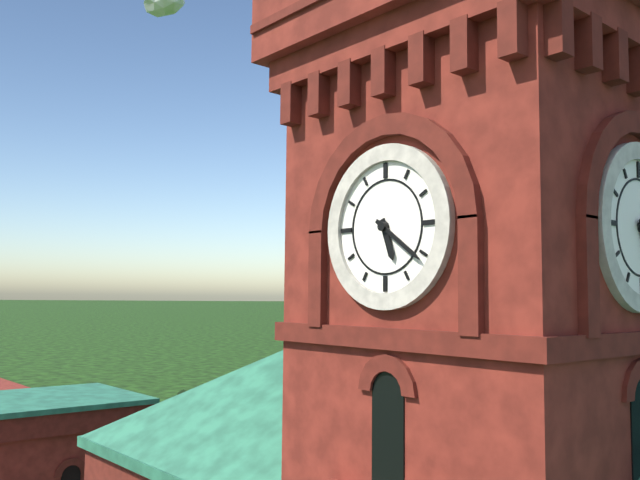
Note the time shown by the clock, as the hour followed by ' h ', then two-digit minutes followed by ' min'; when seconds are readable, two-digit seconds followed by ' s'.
5 h 21 min
